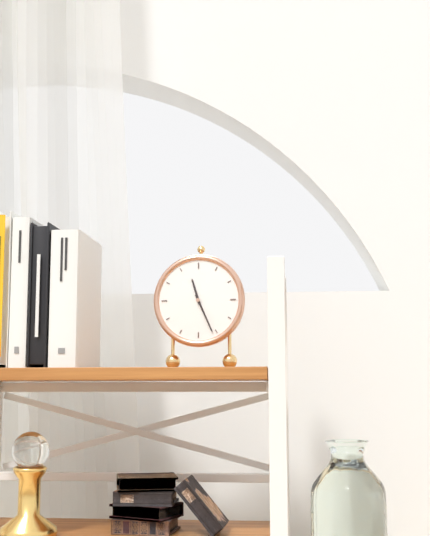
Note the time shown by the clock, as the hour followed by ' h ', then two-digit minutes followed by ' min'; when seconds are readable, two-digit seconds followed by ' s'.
11 h 26 min
